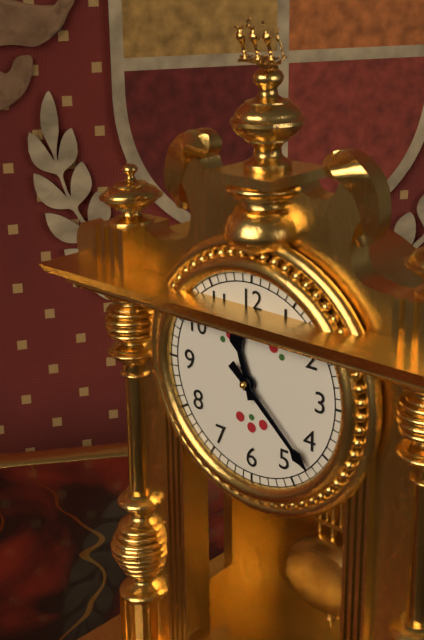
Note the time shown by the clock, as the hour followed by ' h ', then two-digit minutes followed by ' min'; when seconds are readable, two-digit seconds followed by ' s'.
11 h 22 min
